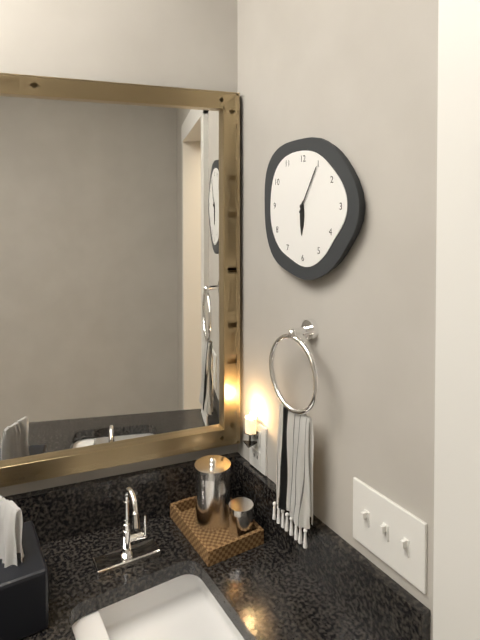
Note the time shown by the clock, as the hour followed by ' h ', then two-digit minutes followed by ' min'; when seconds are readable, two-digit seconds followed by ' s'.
6 h 05 min
